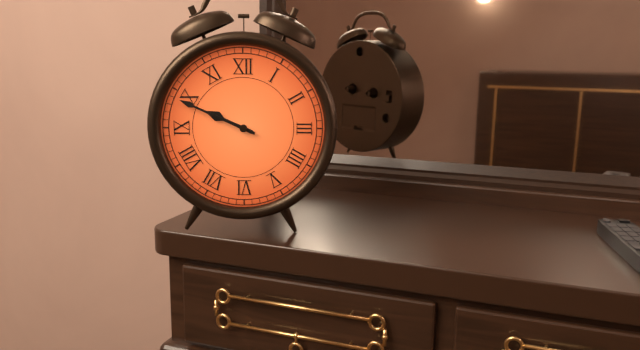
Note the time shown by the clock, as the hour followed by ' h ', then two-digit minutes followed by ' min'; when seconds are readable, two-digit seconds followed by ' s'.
9 h 49 min
